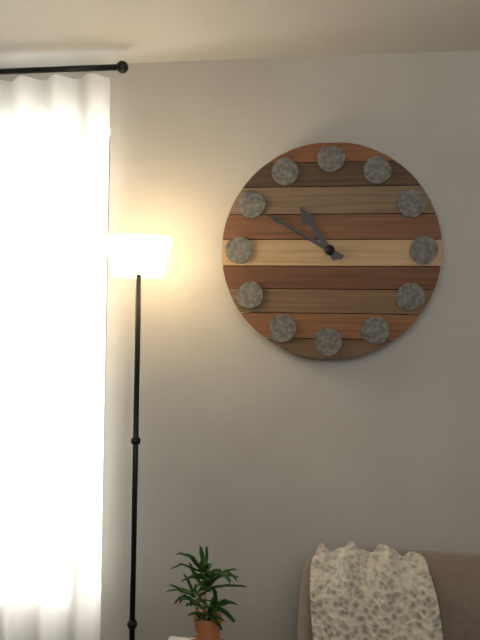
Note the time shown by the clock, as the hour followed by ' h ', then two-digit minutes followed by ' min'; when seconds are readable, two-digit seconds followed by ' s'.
10 h 50 min
